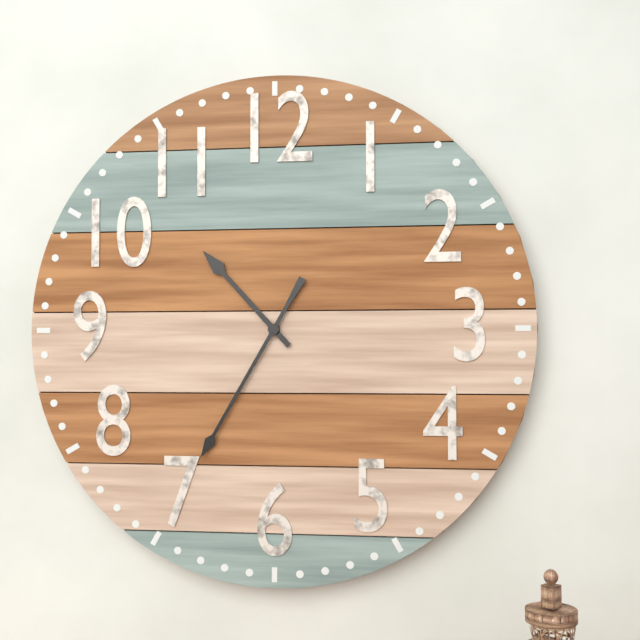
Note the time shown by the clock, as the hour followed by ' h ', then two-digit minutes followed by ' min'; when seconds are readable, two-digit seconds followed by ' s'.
10 h 35 min
